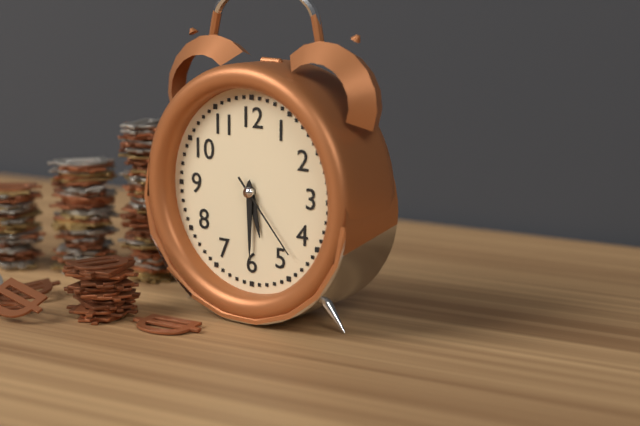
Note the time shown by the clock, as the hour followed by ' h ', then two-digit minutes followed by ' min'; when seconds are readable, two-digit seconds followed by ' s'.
5 h 30 min 23 s
